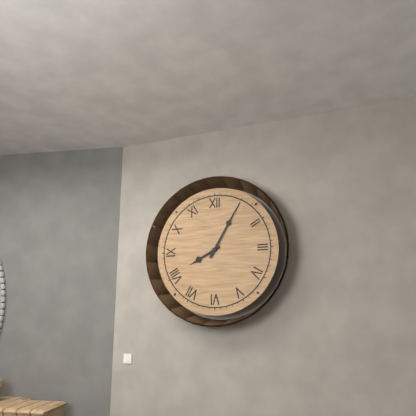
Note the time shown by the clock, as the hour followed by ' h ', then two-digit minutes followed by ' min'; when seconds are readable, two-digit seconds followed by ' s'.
8 h 05 min
